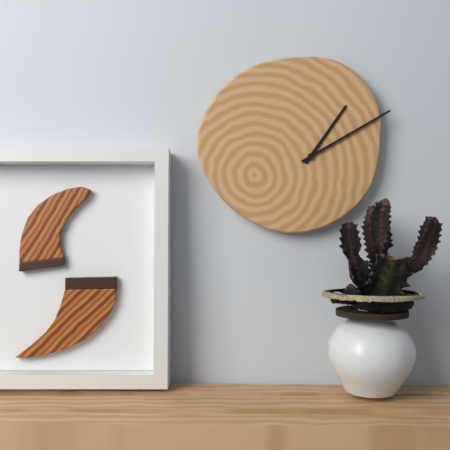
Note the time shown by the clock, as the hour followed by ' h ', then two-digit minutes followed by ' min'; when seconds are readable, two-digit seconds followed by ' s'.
1 h 10 min
